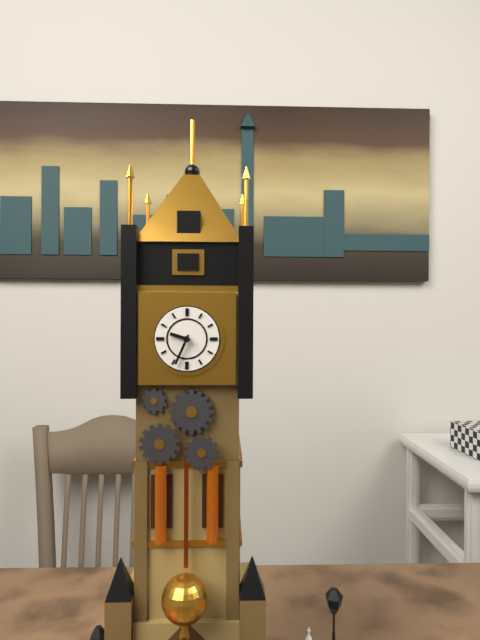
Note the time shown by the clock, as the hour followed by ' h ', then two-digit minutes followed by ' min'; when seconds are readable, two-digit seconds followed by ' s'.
9 h 34 min
